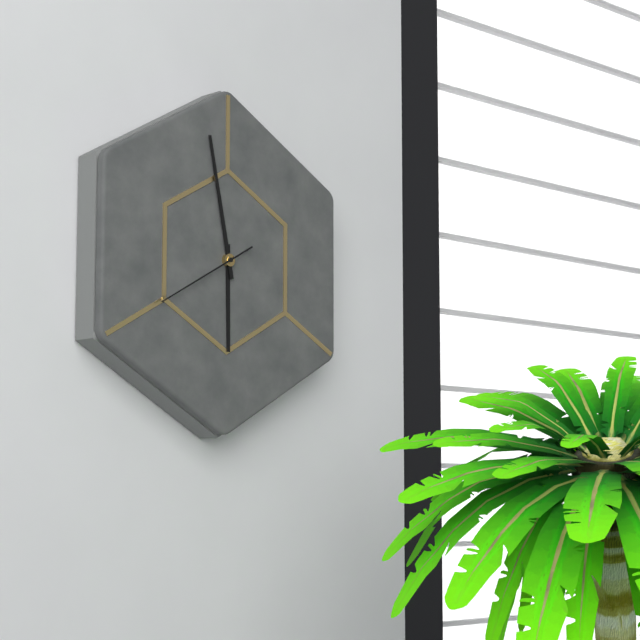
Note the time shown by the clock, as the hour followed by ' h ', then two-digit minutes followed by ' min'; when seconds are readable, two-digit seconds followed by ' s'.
5 h 58 min 40 s
